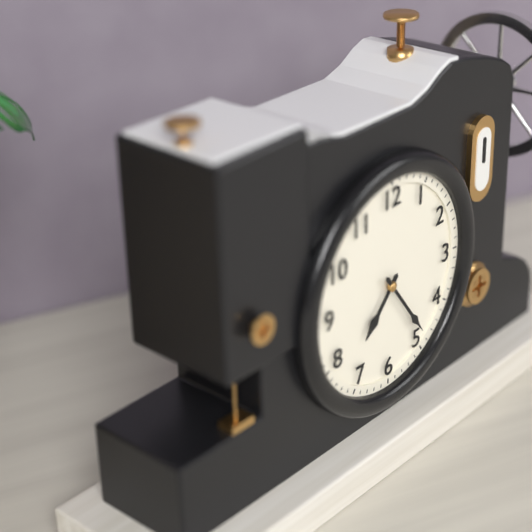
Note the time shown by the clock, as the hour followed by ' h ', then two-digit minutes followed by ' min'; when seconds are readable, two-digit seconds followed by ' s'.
7 h 24 min
